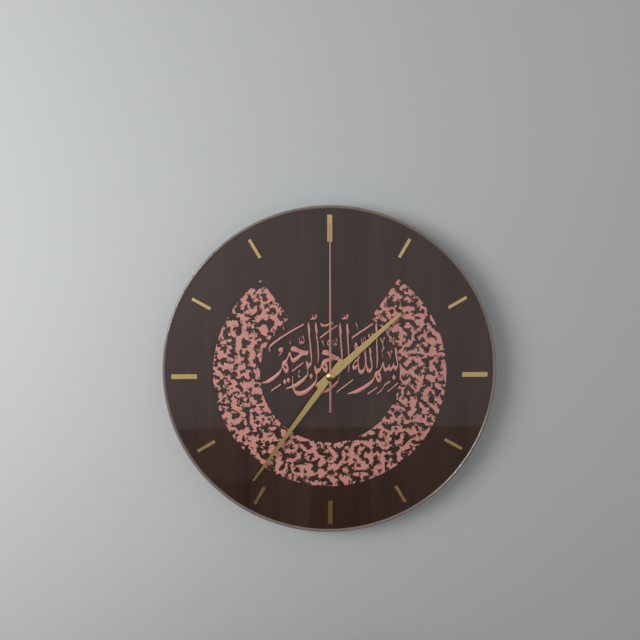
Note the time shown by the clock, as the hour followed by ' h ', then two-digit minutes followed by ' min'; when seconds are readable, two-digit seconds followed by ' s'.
1 h 36 min 00 s
